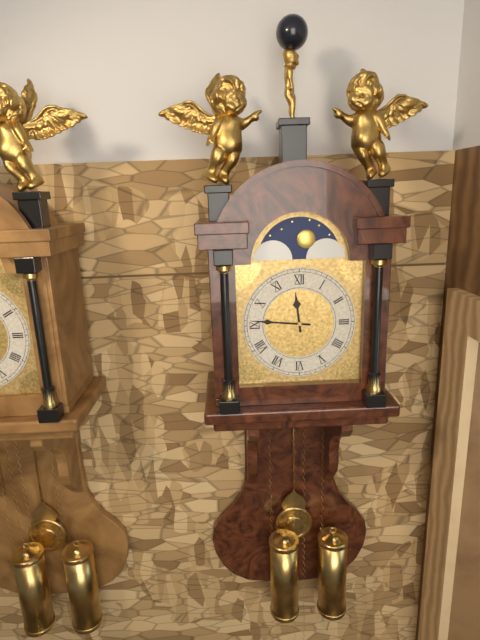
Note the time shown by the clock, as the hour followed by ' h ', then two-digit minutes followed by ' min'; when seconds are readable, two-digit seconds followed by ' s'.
11 h 46 min
